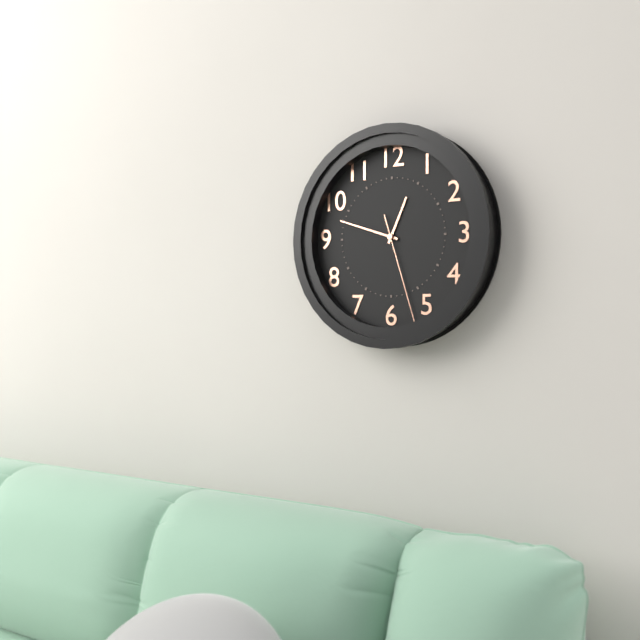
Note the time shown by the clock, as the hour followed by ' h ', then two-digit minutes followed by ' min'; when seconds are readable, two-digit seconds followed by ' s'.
12 h 48 min 27 s
